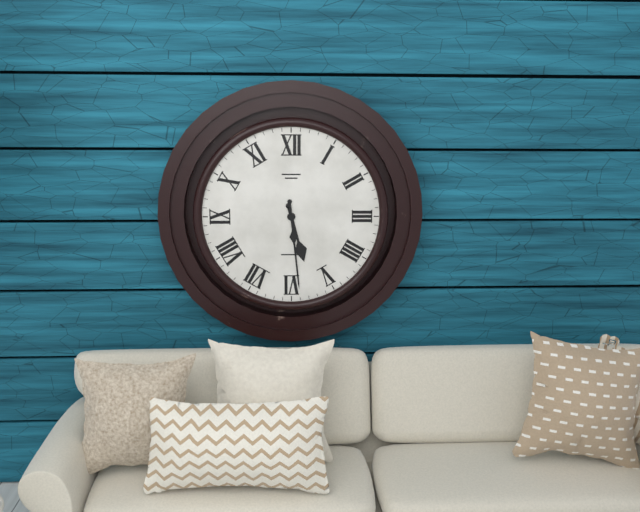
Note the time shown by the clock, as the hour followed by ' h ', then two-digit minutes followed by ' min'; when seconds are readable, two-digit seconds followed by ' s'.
5 h 29 min
